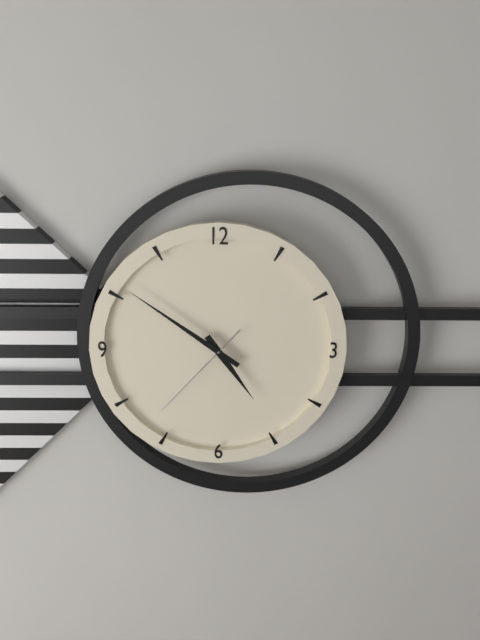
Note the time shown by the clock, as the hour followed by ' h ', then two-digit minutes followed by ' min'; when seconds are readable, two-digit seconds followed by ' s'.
4 h 51 min 37 s
